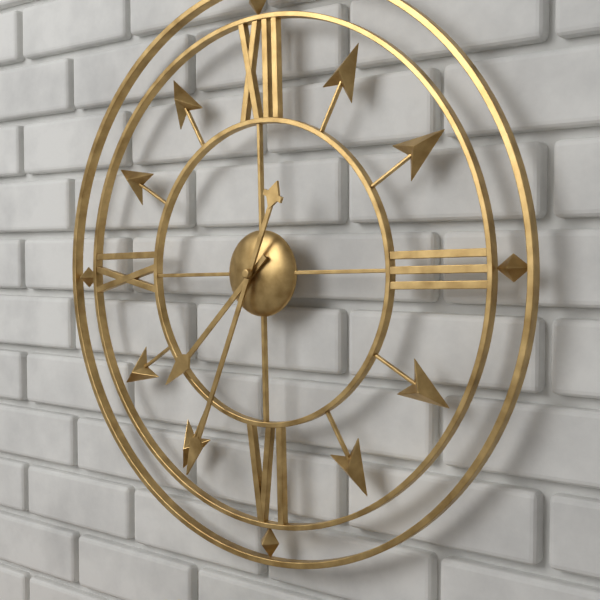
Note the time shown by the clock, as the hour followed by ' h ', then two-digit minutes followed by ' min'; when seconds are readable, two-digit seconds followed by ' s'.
7 h 34 min
